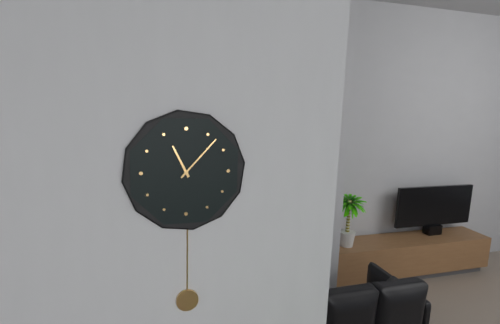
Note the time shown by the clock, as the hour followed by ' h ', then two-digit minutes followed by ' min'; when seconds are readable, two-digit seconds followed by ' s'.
11 h 07 min
